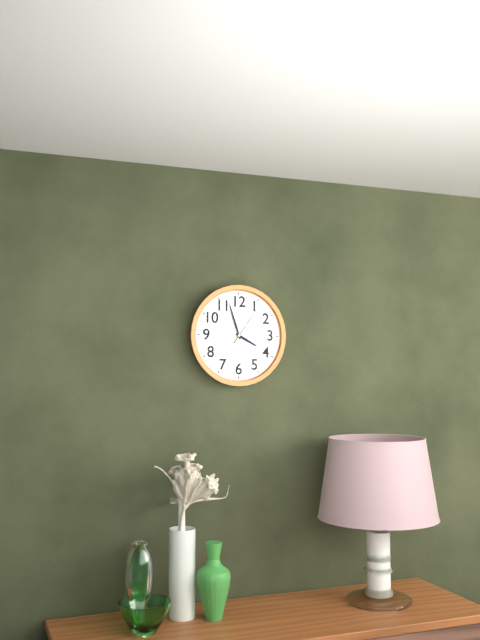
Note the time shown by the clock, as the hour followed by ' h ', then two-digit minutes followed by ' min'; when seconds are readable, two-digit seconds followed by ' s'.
3 h 57 min
